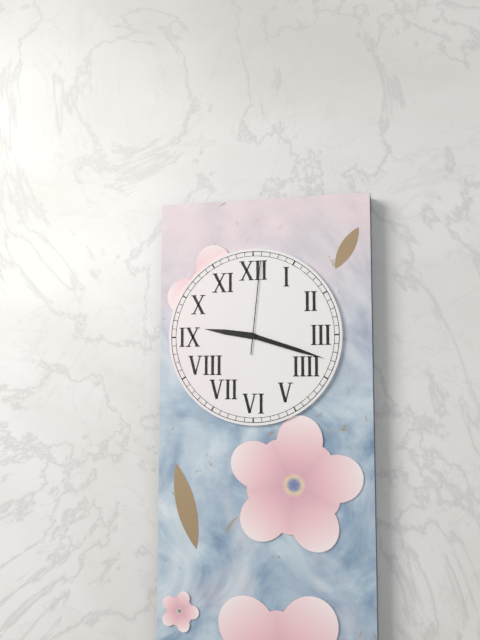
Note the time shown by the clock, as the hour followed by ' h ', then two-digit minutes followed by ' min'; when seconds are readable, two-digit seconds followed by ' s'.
9 h 18 min 01 s
